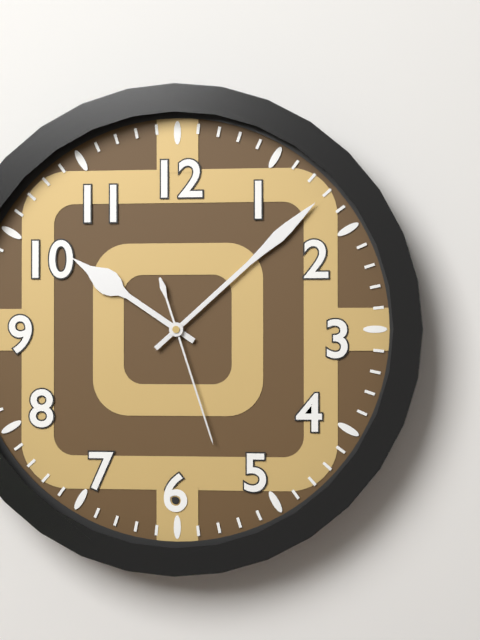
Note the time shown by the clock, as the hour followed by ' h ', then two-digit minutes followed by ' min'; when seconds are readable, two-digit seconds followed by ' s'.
10 h 08 min 27 s
